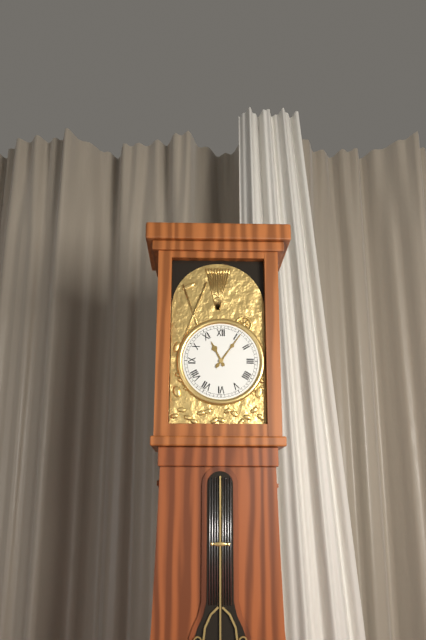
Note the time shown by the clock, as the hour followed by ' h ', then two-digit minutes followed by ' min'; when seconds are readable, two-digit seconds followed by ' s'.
11 h 06 min
